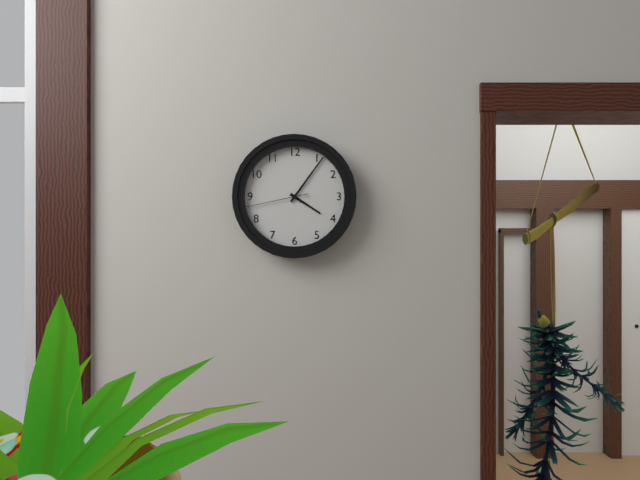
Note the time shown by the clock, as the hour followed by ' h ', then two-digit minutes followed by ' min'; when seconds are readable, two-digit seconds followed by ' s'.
4 h 06 min 43 s
